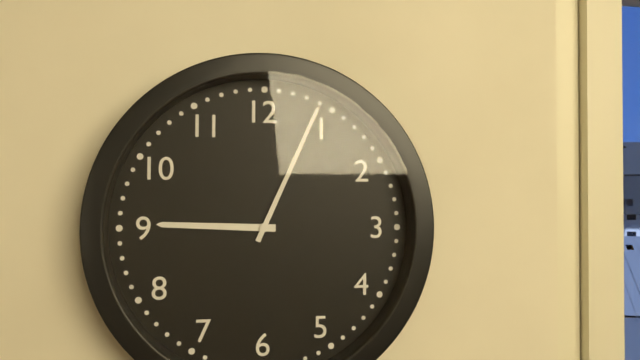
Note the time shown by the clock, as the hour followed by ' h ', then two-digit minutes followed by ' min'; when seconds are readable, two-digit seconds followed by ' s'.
9 h 04 min
